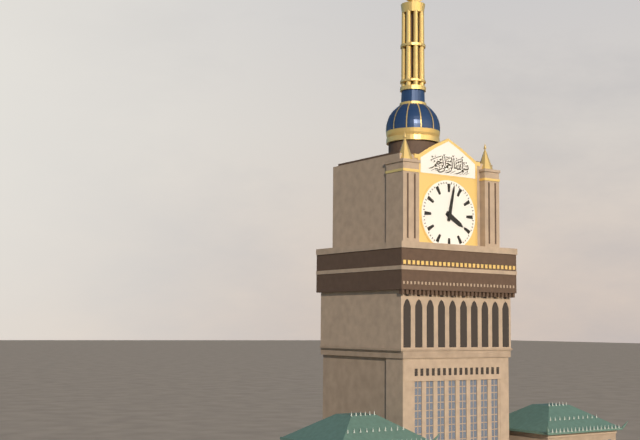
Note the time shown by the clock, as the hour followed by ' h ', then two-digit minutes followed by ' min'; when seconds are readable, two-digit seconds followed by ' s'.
4 h 02 min
